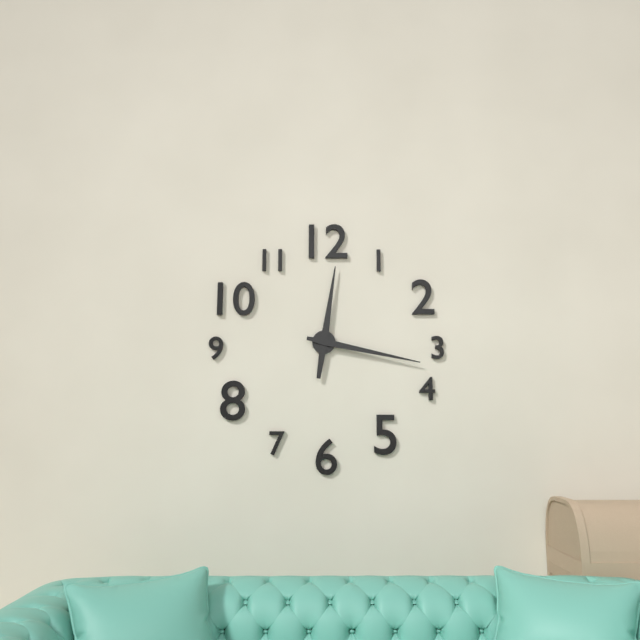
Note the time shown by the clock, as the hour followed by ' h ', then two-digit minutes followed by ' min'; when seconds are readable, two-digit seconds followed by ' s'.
12 h 17 min
